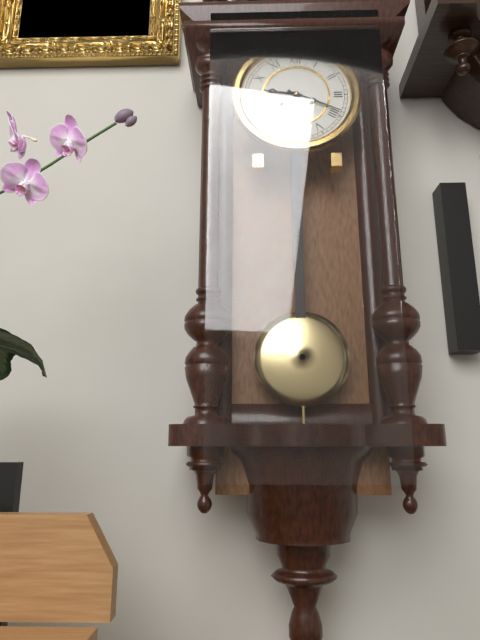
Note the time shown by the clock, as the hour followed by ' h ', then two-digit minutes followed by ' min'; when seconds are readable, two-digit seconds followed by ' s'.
9 h 19 min
